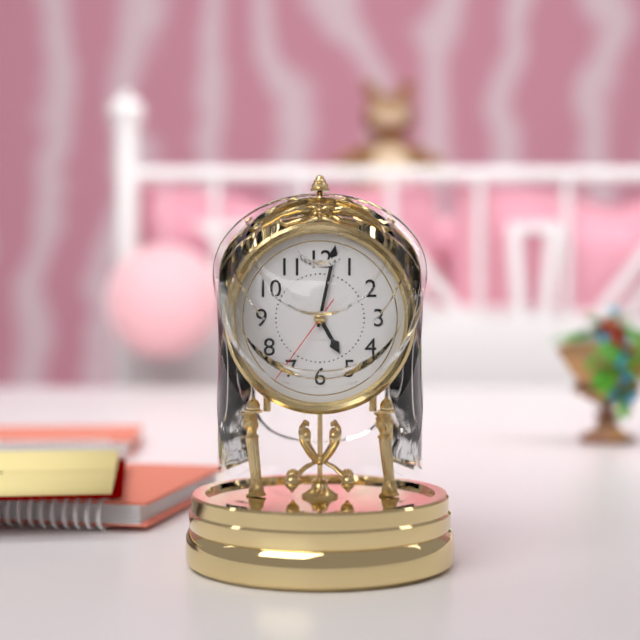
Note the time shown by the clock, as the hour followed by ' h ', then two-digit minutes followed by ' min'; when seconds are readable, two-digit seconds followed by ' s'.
5 h 02 min 36 s
